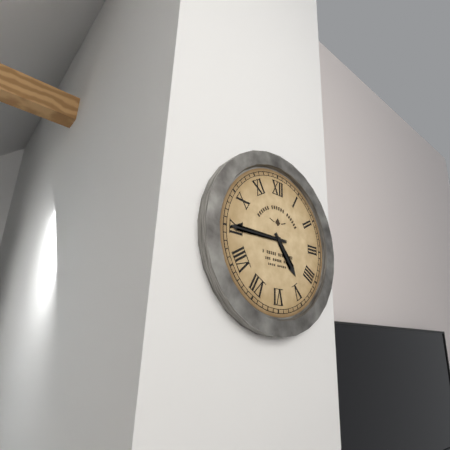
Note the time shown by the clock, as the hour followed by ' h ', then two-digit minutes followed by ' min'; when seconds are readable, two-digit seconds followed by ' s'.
4 h 45 min
